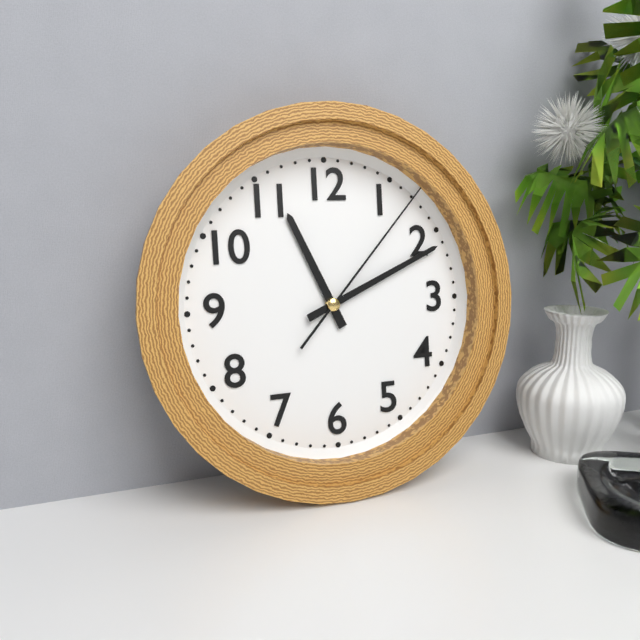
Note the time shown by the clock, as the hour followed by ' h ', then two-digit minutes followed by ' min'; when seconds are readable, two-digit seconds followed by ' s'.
11 h 11 min 07 s
